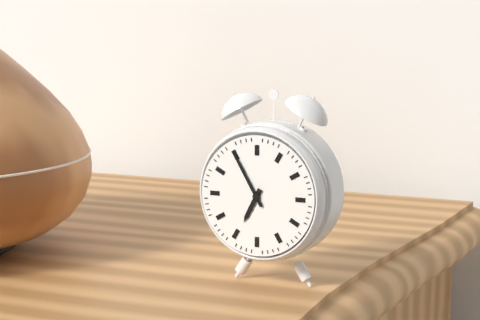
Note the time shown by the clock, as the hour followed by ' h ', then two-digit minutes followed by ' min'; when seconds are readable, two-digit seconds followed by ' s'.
6 h 55 min
